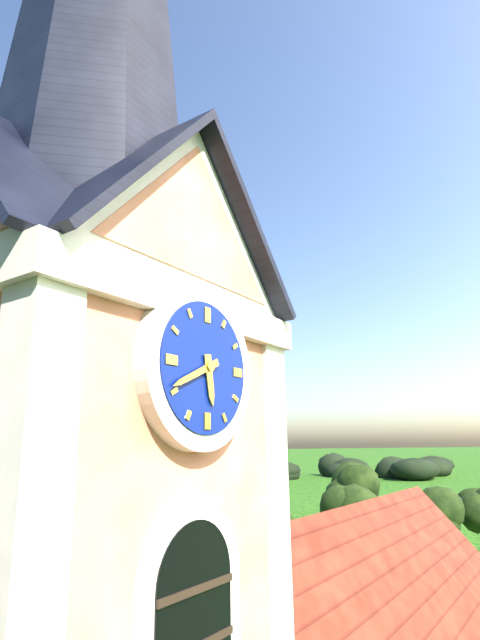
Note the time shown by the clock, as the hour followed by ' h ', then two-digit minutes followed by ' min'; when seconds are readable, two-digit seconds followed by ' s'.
5 h 41 min
